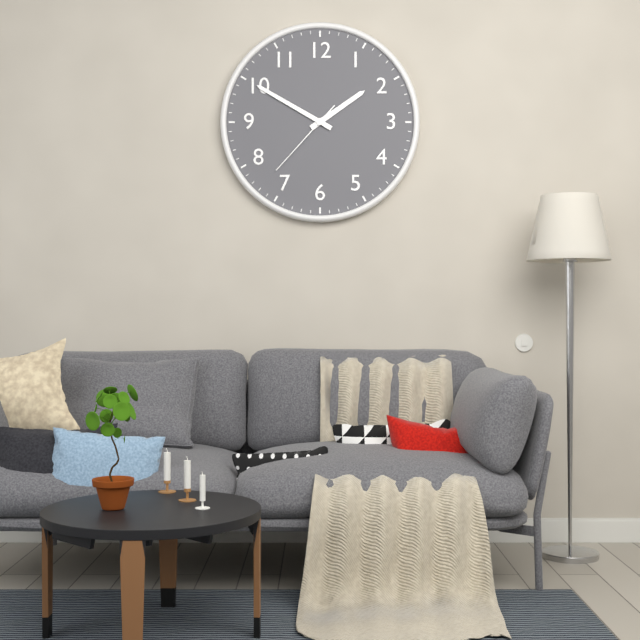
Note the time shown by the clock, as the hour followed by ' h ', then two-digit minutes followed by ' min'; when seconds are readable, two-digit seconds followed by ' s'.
1 h 50 min 37 s
